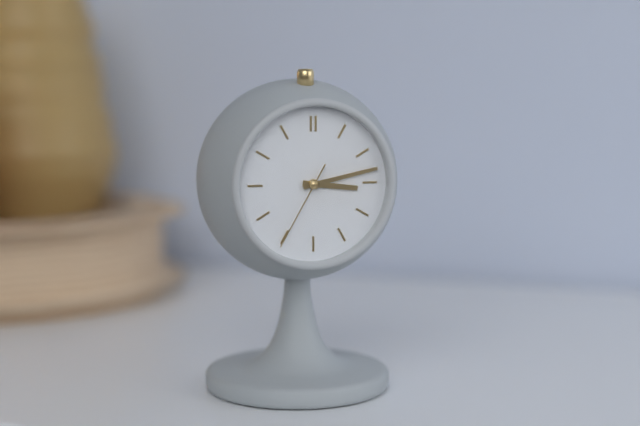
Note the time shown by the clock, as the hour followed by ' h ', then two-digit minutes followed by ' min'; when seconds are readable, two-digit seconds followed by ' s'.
3 h 13 min 35 s
